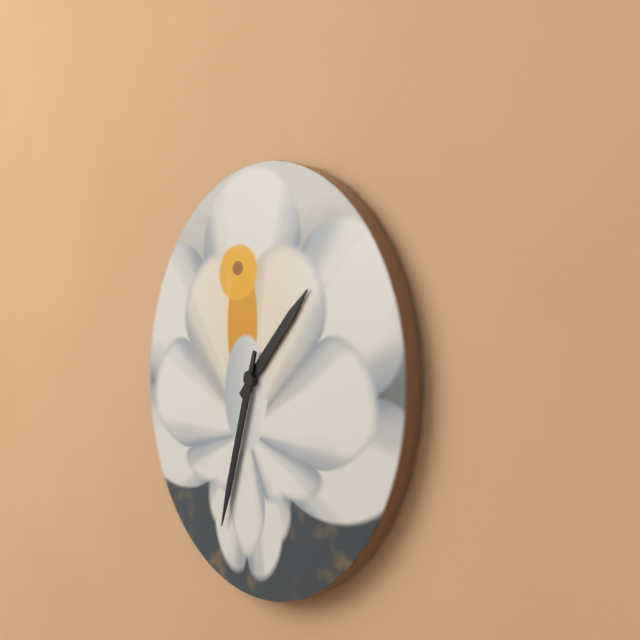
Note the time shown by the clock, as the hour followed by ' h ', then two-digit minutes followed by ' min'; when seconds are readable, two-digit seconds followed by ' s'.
1 h 33 min
